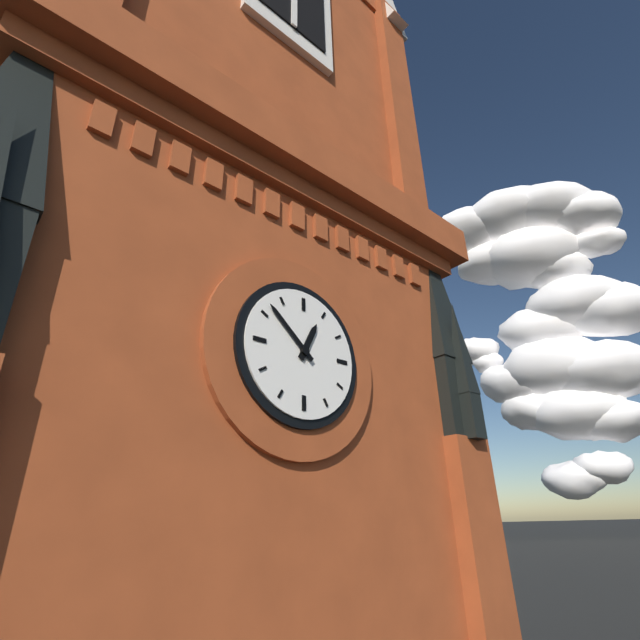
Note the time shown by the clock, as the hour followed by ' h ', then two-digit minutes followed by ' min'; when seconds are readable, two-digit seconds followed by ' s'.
12 h 52 min
